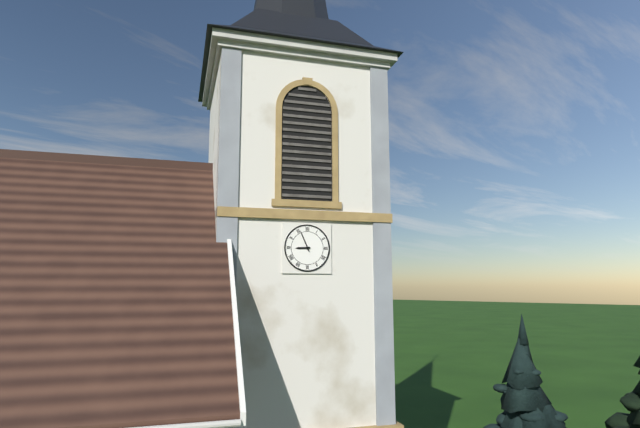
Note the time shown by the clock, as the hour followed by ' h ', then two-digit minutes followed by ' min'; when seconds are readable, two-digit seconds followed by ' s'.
8 h 56 min
